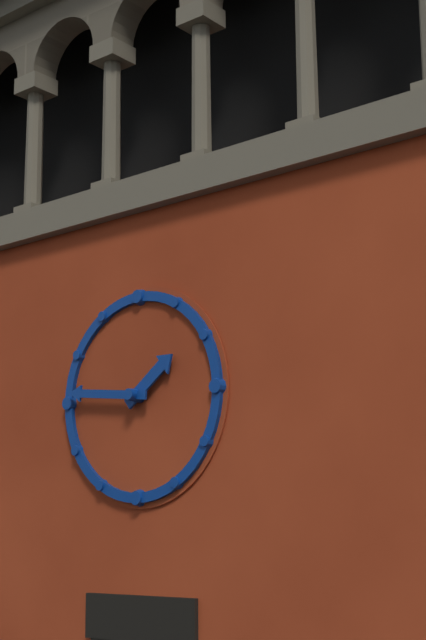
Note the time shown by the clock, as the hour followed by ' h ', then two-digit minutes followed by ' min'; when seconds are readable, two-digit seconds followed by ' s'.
1 h 46 min
